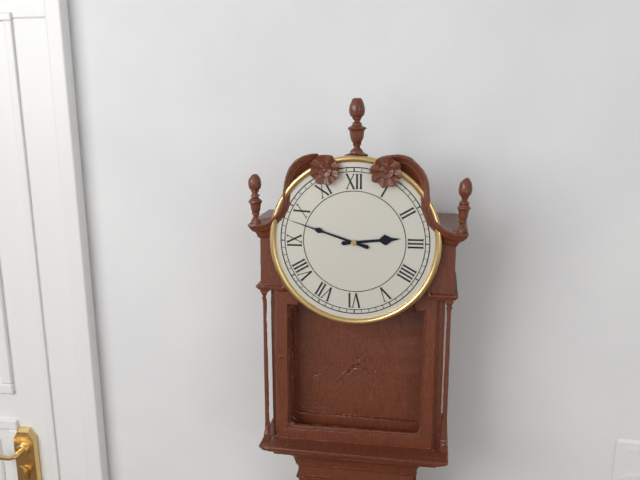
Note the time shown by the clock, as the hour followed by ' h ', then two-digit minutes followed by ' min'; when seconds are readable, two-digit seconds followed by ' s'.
2 h 48 min
